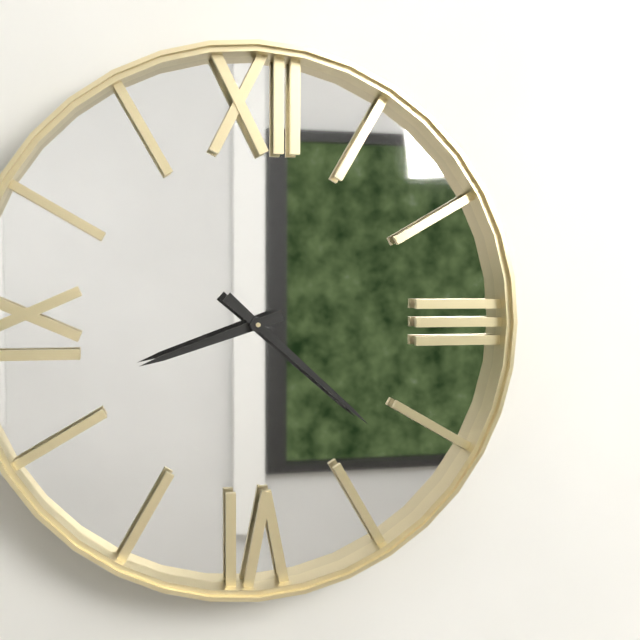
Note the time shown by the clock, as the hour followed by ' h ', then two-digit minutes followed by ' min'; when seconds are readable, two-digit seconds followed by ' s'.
8 h 22 min
